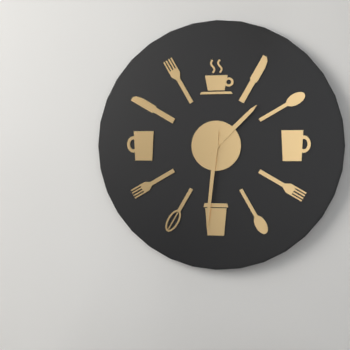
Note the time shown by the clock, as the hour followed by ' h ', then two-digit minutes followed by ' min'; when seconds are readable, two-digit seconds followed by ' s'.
1 h 31 min
